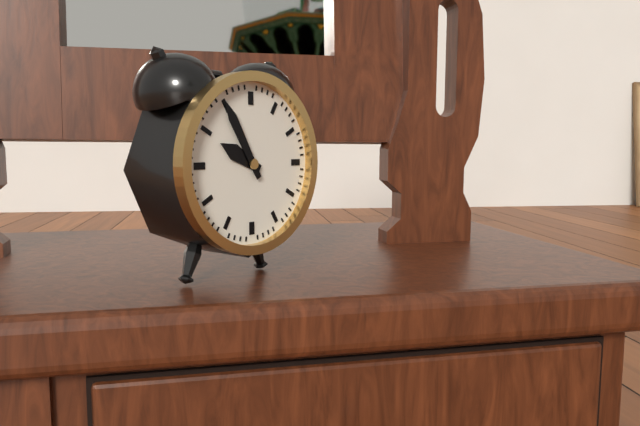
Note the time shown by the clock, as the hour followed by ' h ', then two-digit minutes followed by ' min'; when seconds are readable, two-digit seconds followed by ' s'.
9 h 55 min
